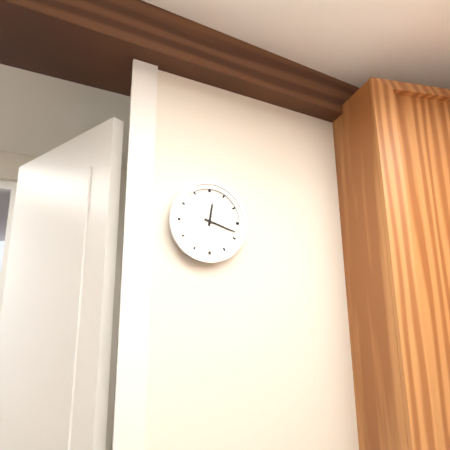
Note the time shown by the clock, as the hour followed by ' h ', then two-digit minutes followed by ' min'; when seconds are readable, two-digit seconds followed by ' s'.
12 h 18 min
